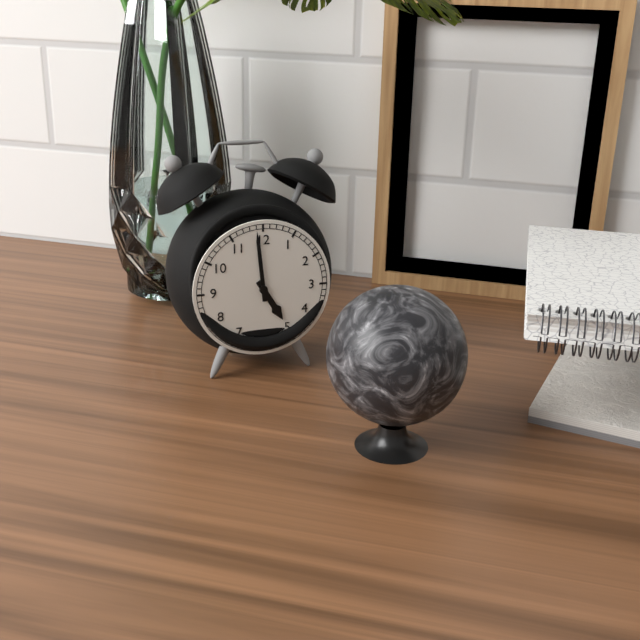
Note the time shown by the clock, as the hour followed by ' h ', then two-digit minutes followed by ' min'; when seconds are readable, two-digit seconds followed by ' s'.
4 h 59 min
